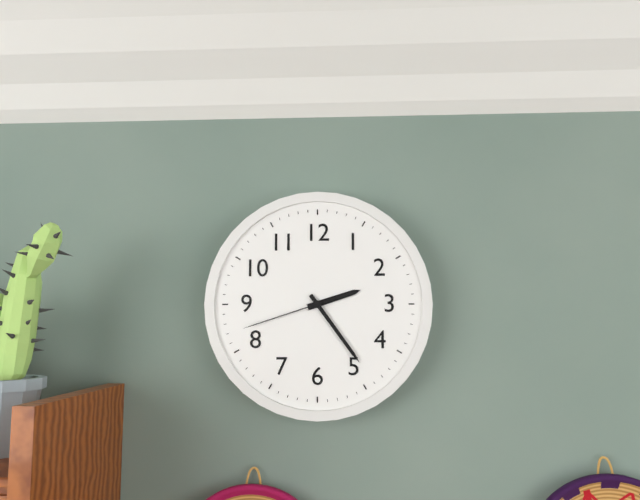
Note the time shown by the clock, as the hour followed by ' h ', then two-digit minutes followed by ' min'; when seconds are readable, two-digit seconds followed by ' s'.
2 h 24 min 42 s
